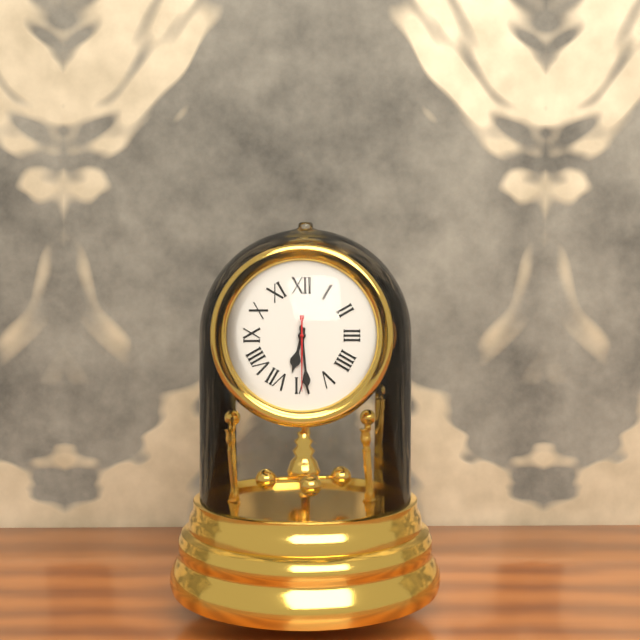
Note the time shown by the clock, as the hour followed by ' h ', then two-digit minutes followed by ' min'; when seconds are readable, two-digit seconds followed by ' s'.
6 h 29 min 30 s
